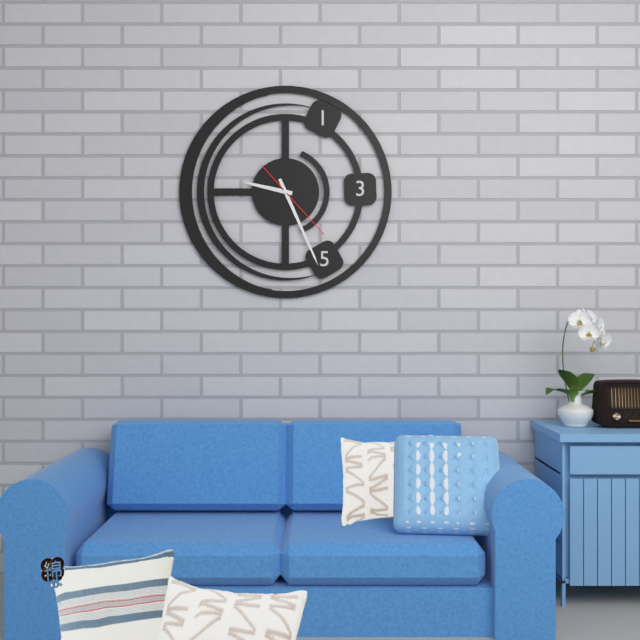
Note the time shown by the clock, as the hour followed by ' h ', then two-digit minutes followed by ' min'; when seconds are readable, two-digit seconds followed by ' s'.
9 h 26 min 23 s
